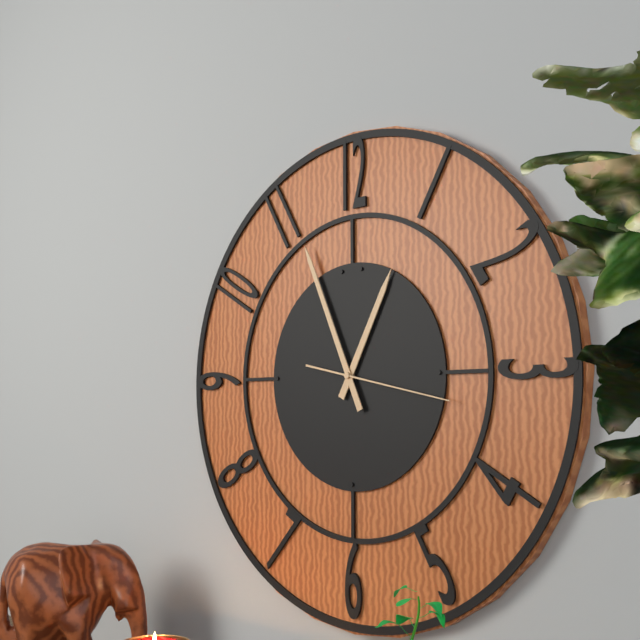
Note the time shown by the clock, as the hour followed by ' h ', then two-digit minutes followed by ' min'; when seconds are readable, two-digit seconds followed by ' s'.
12 h 56 min 17 s
